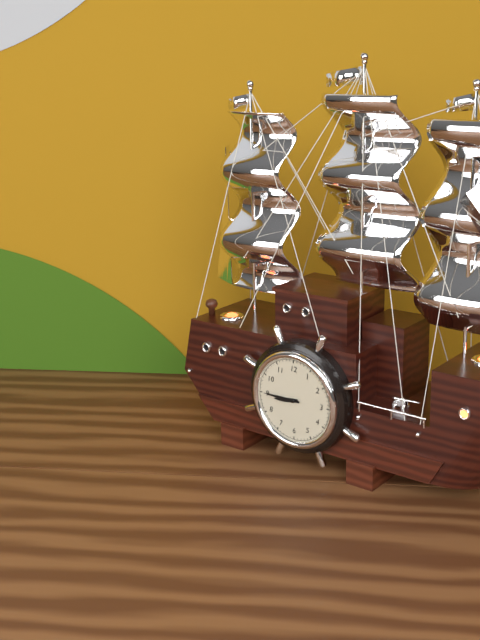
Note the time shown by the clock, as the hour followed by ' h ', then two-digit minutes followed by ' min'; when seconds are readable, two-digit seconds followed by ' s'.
8 h 45 min
